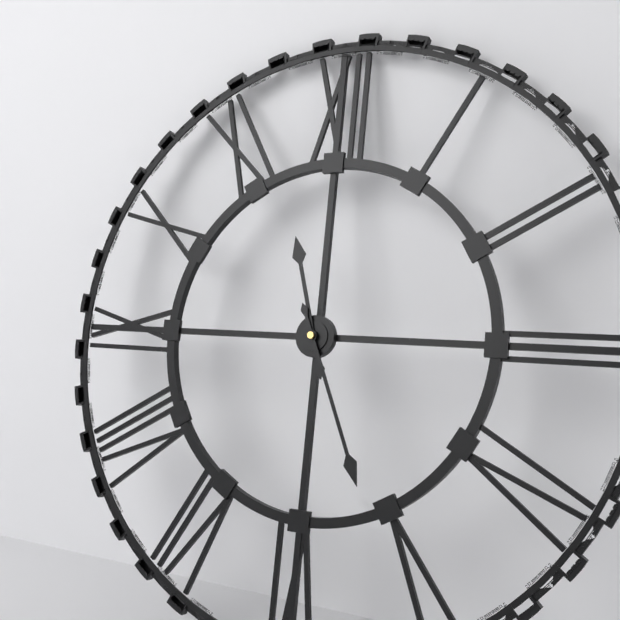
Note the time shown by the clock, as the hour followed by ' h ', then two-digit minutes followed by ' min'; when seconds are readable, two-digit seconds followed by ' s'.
11 h 26 min
